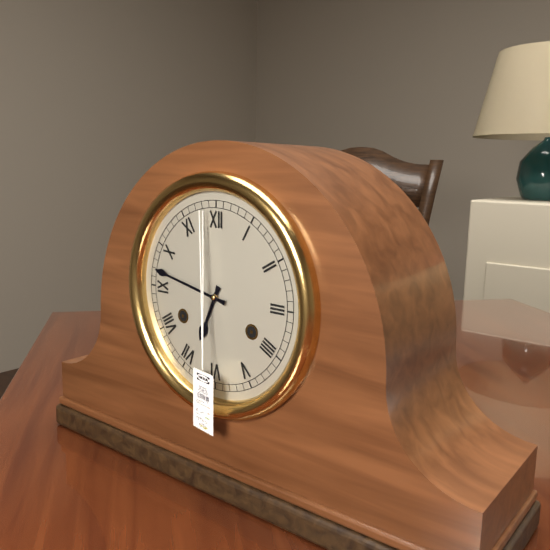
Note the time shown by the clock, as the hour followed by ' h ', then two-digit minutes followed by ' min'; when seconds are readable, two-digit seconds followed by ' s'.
6 h 47 min
